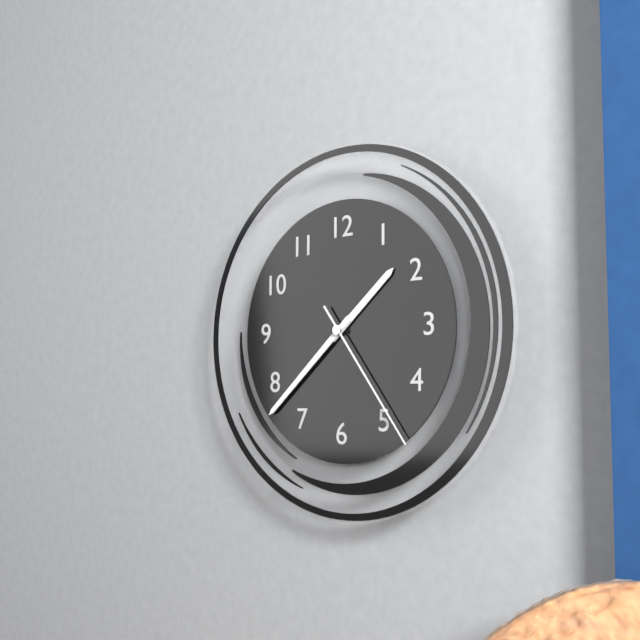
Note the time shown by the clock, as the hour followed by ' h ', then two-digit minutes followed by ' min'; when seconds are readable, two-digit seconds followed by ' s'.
1 h 38 min 24 s
